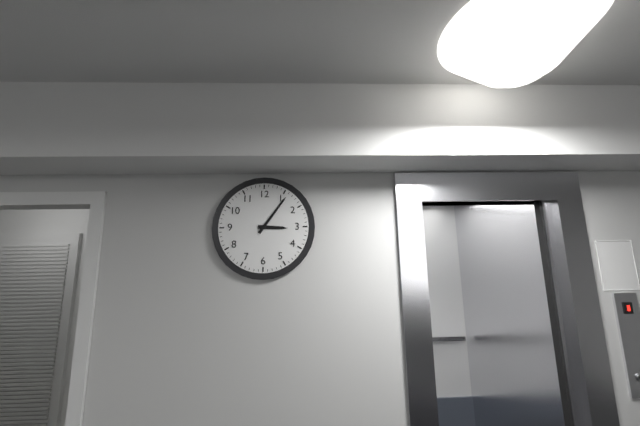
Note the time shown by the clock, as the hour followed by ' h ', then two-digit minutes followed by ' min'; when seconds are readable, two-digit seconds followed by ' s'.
3 h 06 min
